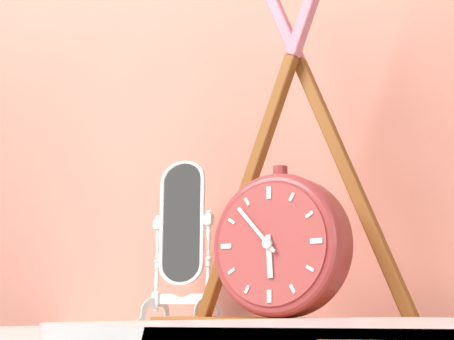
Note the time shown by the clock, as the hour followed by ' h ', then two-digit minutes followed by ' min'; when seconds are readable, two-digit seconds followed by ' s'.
5 h 53 min
